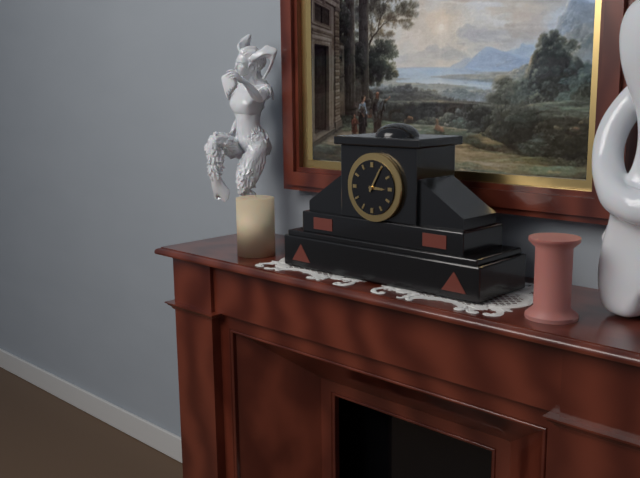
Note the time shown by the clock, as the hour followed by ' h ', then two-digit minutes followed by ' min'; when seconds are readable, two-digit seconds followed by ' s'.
3 h 05 min
